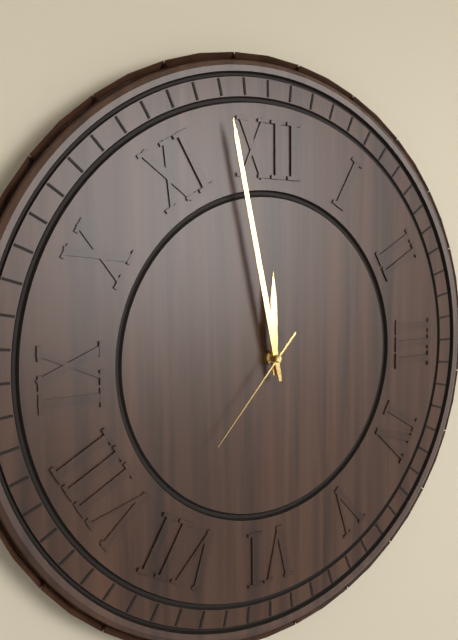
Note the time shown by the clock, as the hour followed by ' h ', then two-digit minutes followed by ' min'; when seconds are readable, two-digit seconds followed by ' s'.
11 h 58 min 37 s
